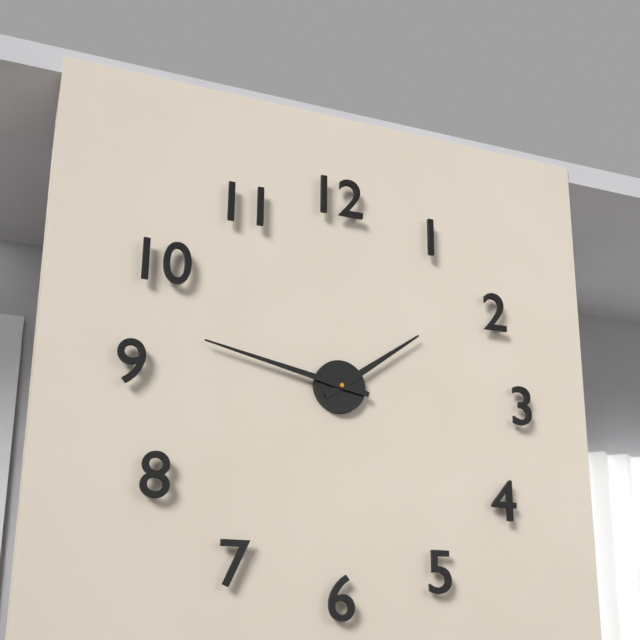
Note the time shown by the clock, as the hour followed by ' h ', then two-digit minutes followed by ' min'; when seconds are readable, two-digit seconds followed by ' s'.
1 h 47 min
